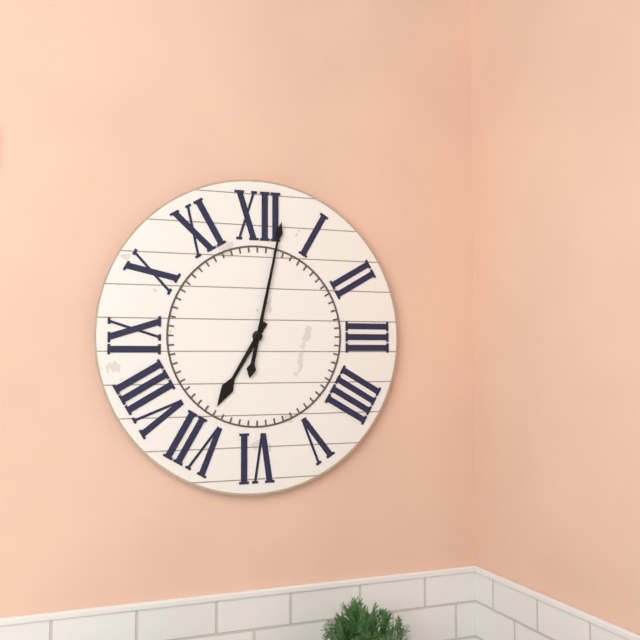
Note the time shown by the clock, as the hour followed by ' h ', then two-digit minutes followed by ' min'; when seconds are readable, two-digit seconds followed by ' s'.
7 h 02 min
